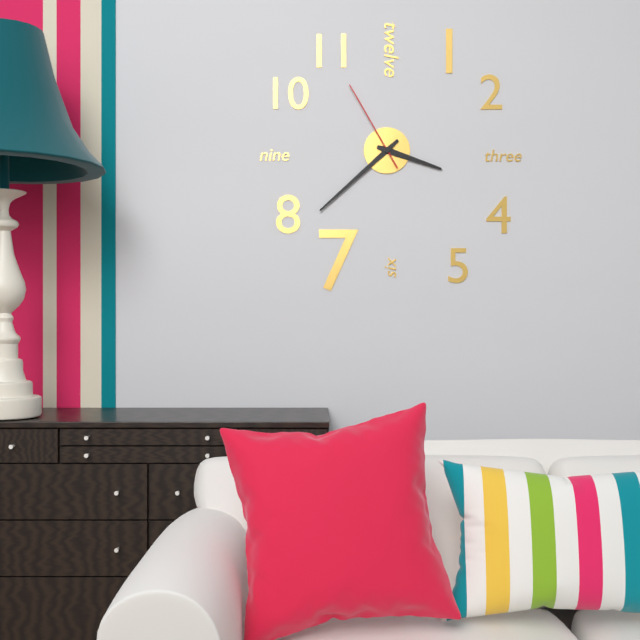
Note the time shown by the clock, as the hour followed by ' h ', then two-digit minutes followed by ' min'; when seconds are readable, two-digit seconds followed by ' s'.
3 h 38 min 55 s
